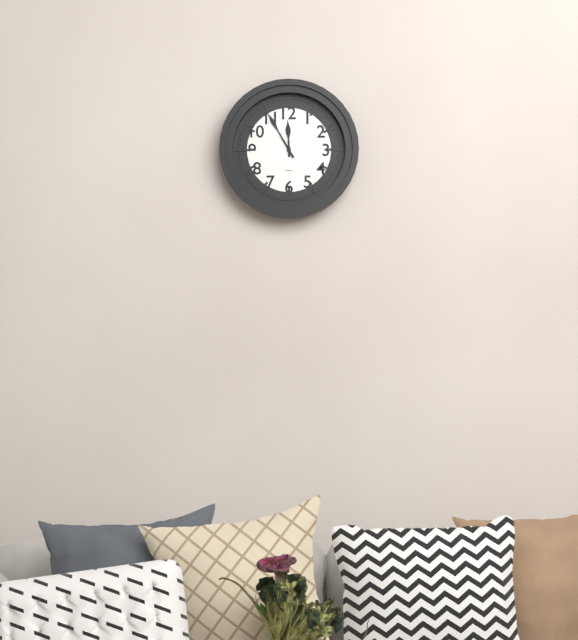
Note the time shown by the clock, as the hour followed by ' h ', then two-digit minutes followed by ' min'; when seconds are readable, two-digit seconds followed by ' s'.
11 h 55 min
